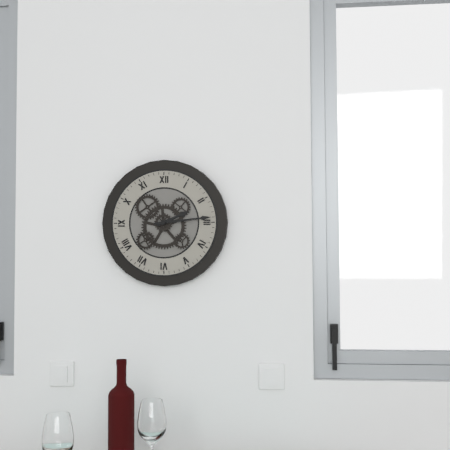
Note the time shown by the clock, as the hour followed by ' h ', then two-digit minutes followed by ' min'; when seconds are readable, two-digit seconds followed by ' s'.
2 h 14 min
